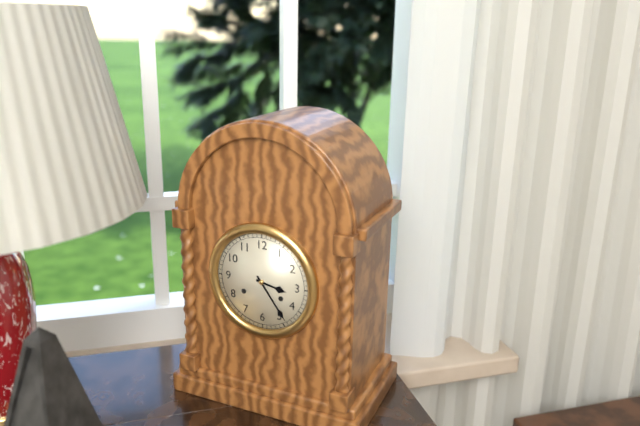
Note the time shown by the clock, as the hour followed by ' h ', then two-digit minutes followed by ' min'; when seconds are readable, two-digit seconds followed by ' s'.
3 h 24 min
